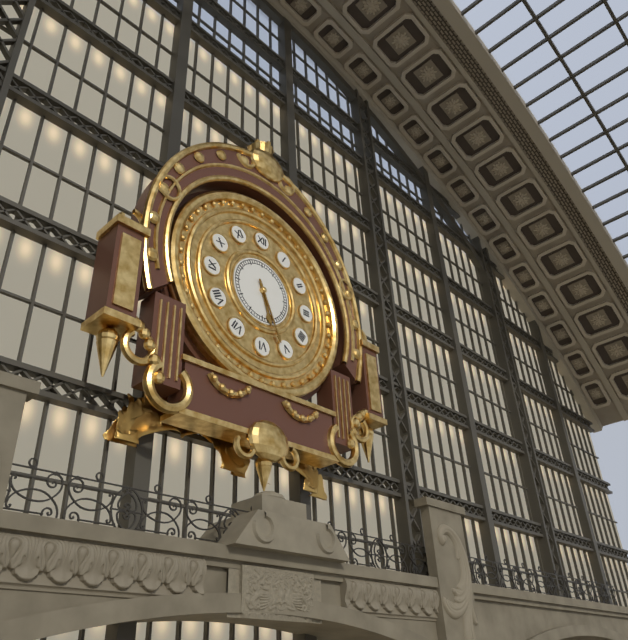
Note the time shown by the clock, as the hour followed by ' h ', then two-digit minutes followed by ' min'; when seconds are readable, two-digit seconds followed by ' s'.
5 h 26 min
